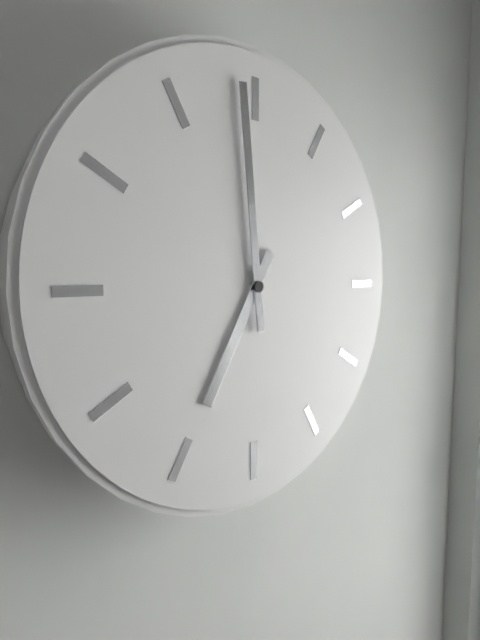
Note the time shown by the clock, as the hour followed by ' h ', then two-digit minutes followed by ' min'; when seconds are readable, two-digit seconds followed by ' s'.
6 h 59 min
